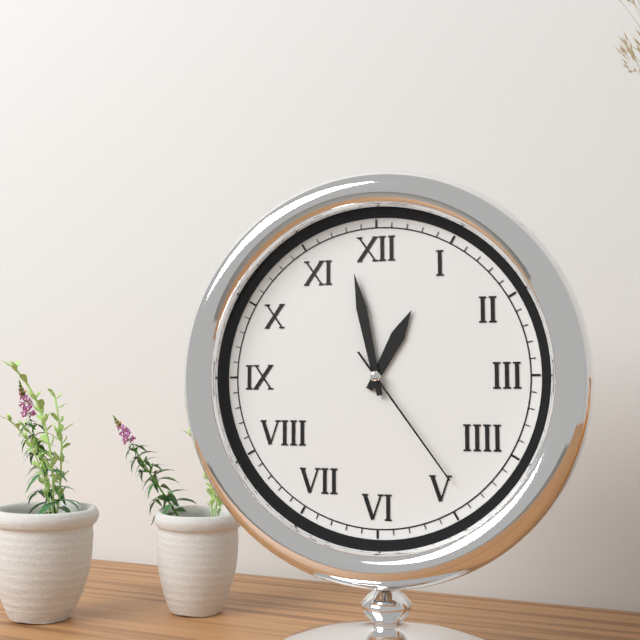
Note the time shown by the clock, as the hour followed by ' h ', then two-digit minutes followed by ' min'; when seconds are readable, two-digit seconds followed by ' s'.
12 h 58 min 24 s
